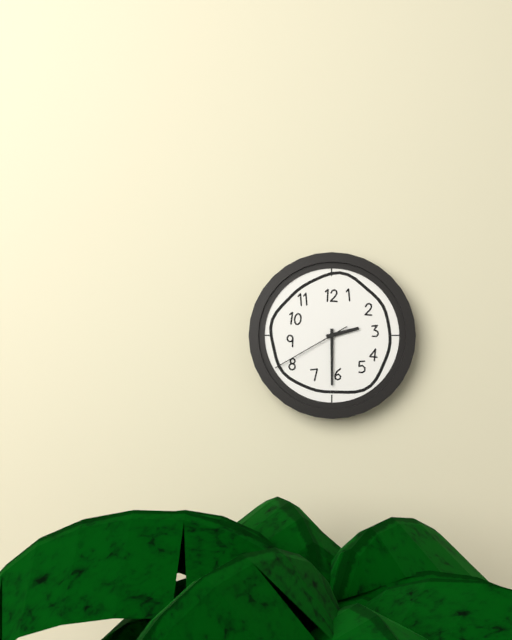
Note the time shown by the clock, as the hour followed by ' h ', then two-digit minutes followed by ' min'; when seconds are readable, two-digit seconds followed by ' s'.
2 h 30 min 40 s
